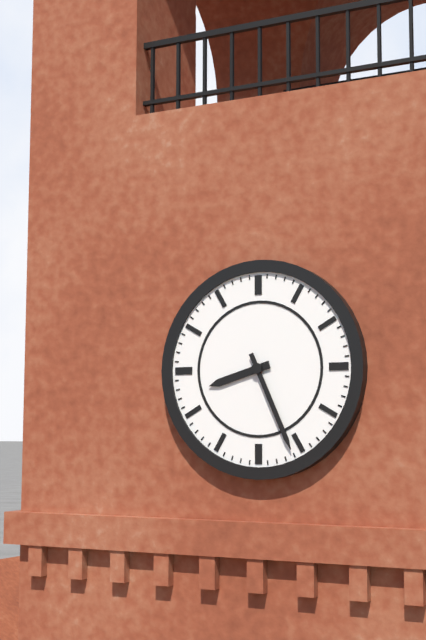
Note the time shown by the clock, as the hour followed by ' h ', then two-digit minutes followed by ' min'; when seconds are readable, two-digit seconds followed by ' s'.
8 h 26 min
